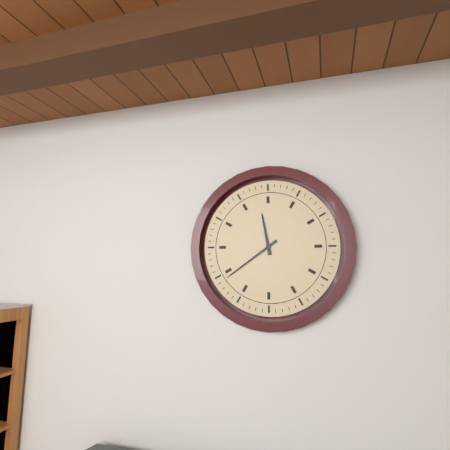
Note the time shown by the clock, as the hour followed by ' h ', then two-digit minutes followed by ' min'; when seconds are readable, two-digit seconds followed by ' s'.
11 h 39 min
